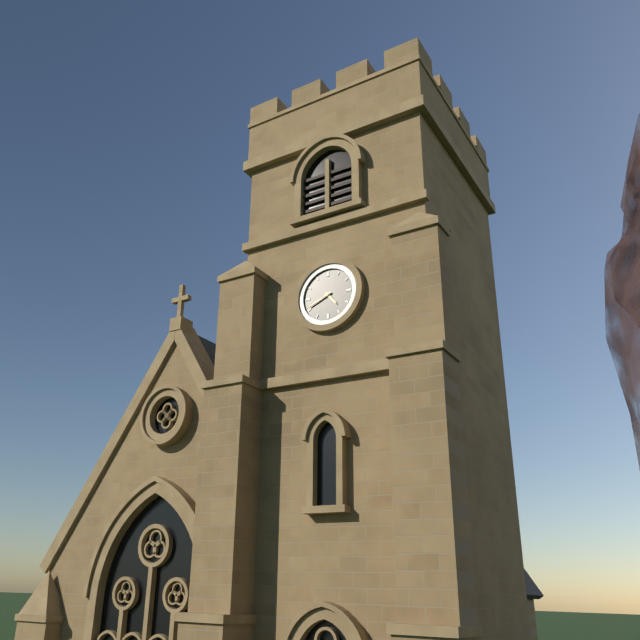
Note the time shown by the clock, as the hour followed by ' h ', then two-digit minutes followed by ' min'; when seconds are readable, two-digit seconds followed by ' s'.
4 h 41 min
